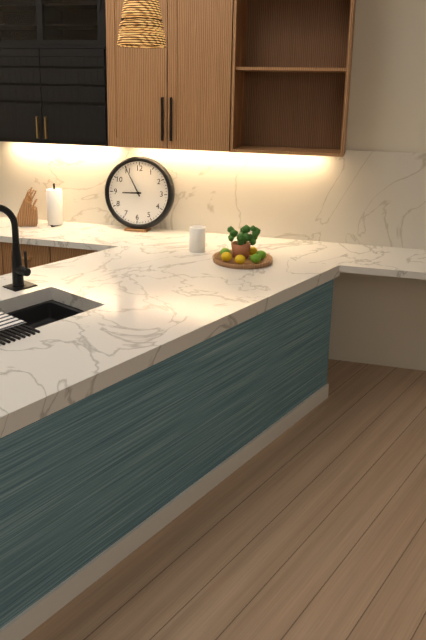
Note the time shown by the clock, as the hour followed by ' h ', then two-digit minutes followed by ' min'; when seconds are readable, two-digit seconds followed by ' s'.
8 h 55 min
